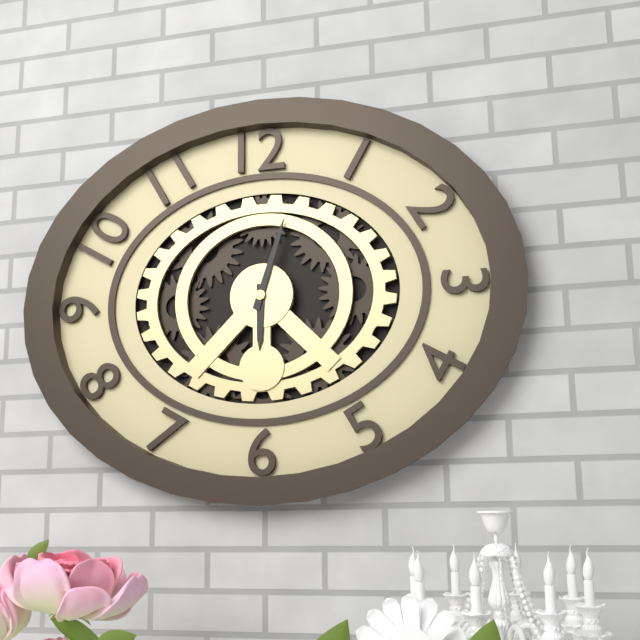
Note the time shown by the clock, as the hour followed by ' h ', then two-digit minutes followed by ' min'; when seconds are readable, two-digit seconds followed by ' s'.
6 h 03 min
